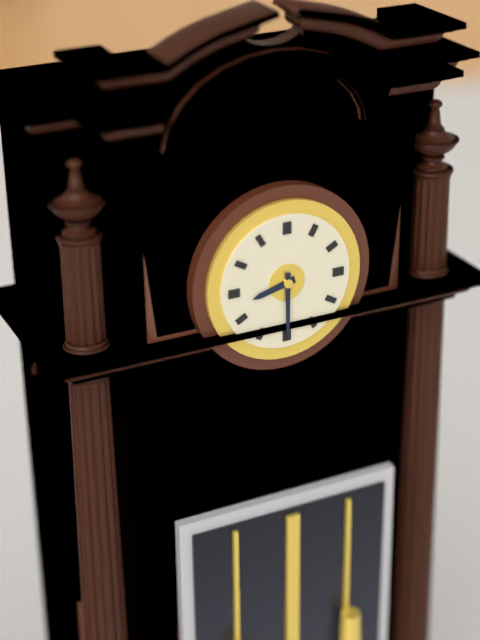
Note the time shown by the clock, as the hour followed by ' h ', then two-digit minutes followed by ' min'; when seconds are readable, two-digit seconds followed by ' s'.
8 h 30 min
